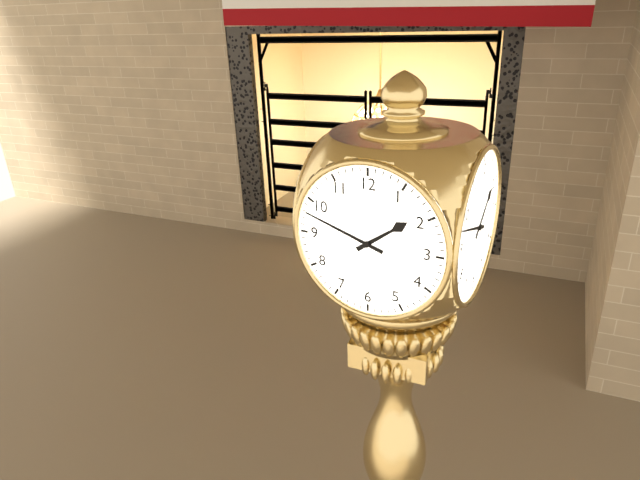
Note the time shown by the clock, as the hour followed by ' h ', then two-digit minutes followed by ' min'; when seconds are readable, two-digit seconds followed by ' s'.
1 h 48 min
